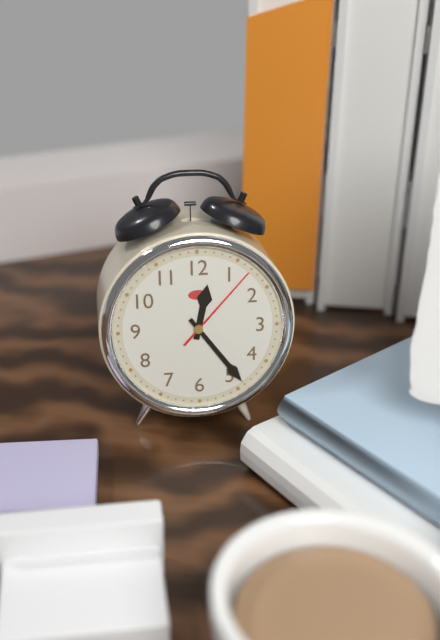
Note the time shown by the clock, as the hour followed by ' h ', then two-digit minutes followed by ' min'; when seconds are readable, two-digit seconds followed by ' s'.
12 h 24 min 07 s
